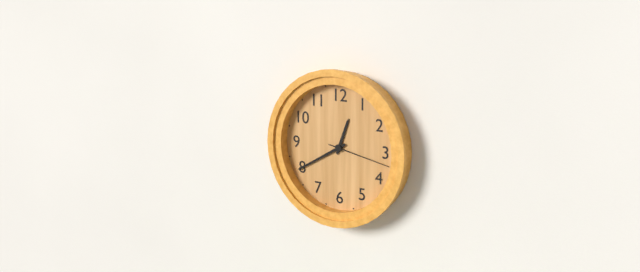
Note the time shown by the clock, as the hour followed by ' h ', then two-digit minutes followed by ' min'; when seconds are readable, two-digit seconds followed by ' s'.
12 h 40 min 17 s
